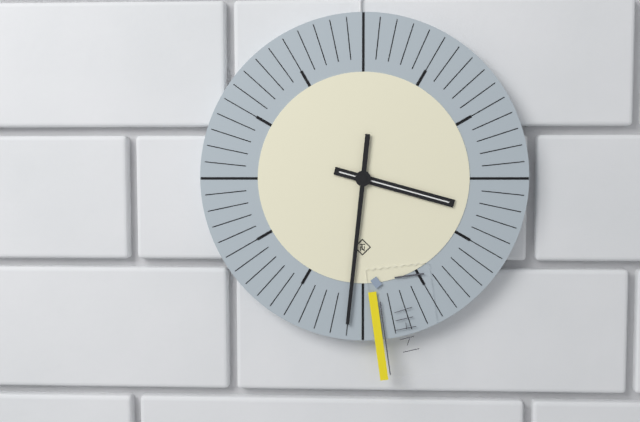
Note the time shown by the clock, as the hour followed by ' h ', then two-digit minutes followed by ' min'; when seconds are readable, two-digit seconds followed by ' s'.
3 h 31 min
